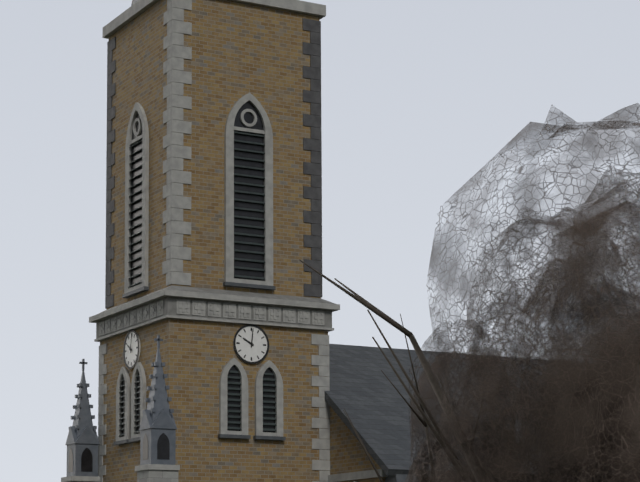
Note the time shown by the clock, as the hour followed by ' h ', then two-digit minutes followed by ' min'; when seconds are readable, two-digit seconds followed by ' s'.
10 h 01 min
